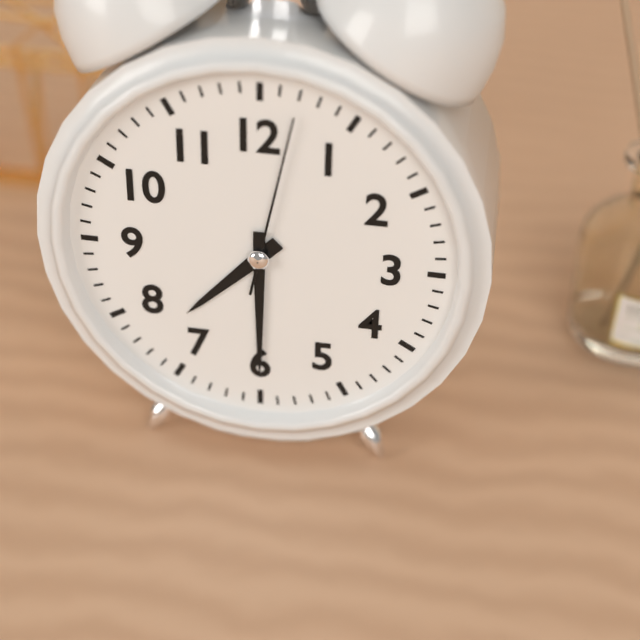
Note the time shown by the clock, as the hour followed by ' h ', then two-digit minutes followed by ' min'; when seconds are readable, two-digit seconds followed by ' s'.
7 h 30 min 02 s
